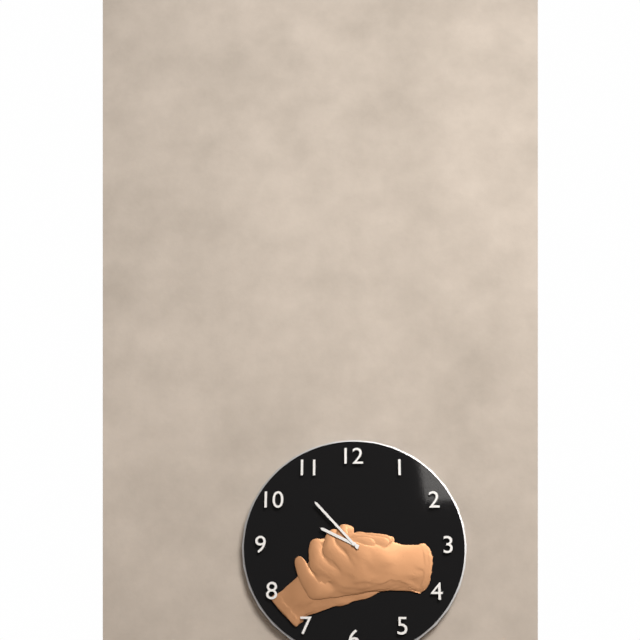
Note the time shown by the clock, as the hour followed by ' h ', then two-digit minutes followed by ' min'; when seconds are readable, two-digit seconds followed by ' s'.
9 h 53 min
